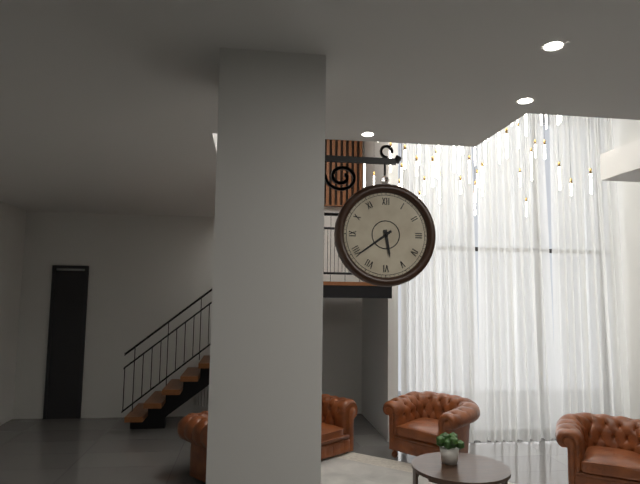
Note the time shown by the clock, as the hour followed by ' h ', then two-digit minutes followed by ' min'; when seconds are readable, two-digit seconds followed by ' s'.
5 h 39 min
